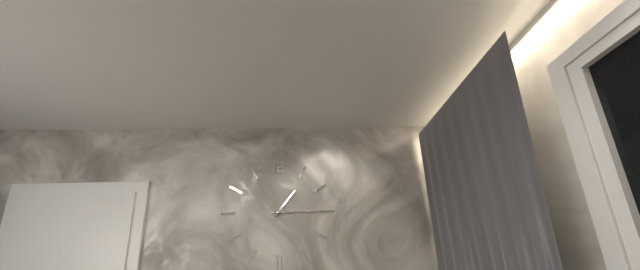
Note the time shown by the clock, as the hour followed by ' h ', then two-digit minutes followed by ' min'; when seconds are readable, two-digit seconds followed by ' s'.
1 h 15 min
